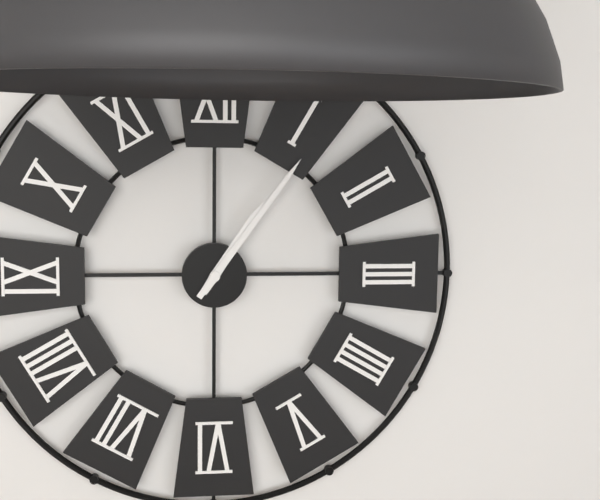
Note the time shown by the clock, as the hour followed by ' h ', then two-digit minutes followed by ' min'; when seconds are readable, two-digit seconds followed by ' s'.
1 h 06 min
